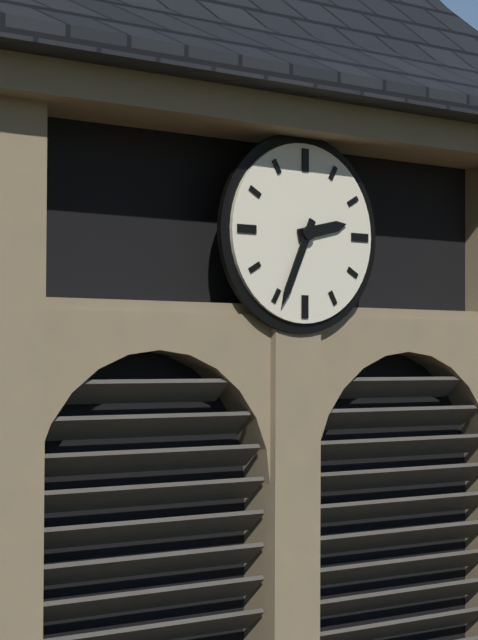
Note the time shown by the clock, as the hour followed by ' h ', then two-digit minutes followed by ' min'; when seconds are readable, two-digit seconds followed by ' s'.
2 h 34 min
